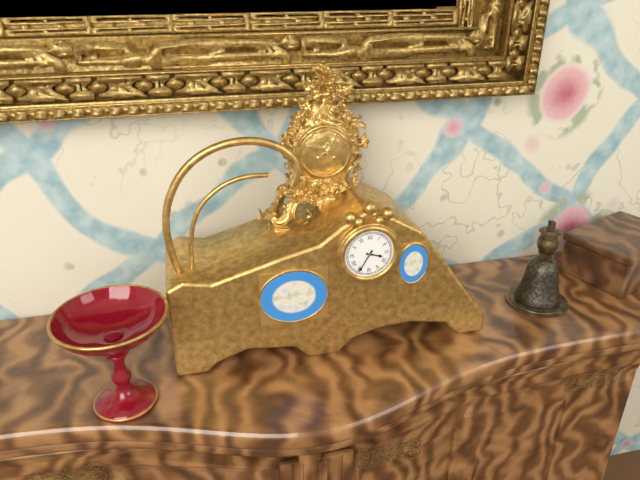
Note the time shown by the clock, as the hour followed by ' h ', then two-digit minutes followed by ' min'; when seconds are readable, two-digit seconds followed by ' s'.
3 h 35 min
